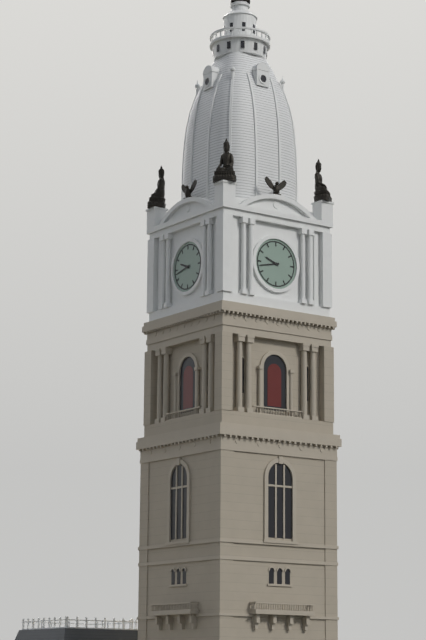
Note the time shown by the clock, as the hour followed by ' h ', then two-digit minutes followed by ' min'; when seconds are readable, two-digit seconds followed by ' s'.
9 h 43 min
